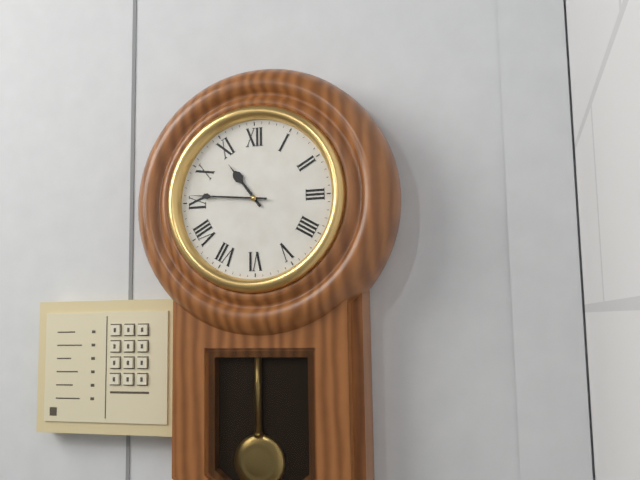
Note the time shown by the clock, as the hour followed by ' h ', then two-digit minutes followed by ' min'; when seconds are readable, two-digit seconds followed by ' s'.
10 h 46 min
